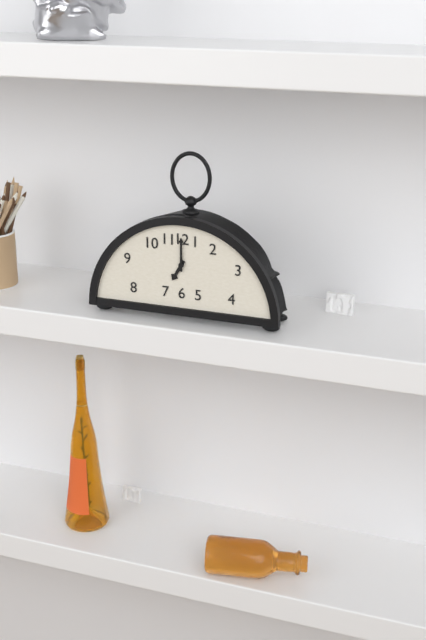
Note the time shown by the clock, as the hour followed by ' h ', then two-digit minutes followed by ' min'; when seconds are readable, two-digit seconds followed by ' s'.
7 h 00 min
